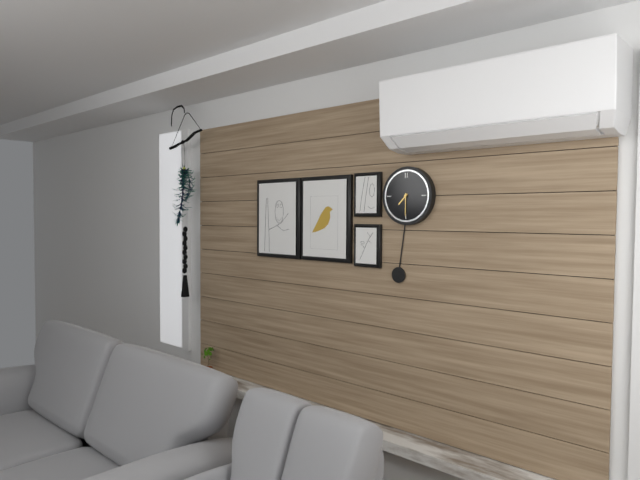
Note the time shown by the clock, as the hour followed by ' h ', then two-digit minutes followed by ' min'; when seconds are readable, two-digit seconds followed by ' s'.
7 h 30 min
